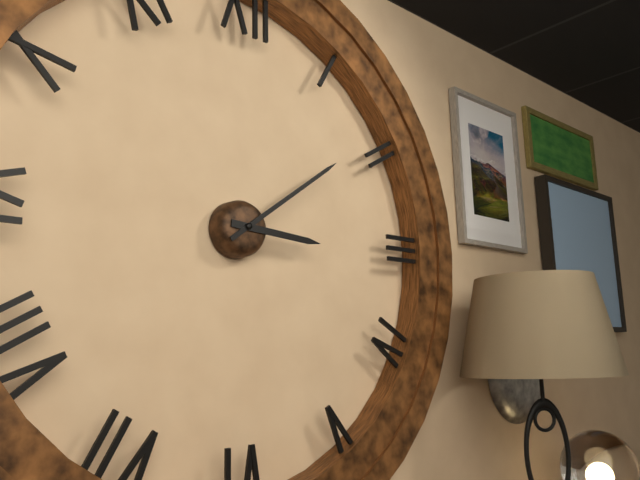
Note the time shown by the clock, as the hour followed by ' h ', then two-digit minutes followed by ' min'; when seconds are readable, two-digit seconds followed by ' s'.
3 h 09 min
